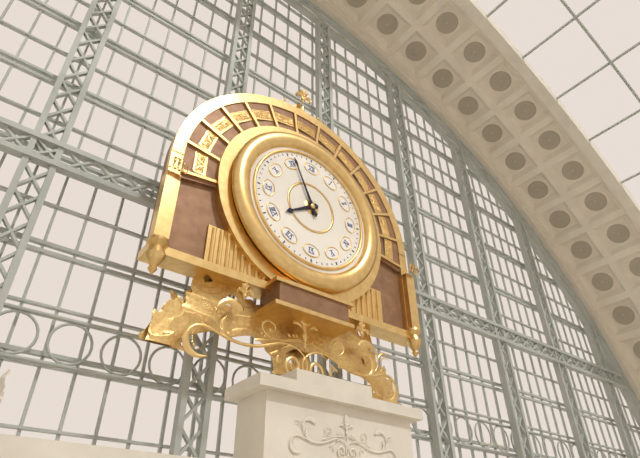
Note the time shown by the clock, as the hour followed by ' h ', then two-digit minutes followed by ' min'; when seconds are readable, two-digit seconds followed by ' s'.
7 h 56 min
